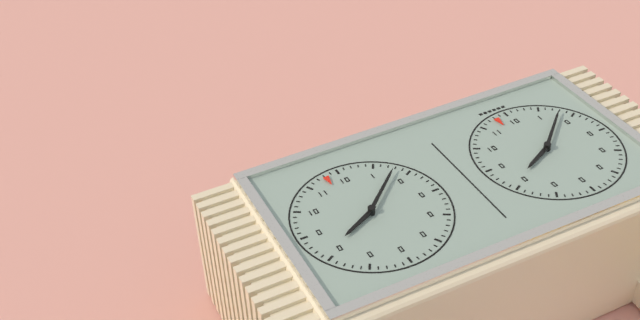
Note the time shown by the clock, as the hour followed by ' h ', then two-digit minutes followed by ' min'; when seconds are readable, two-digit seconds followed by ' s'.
8 h 08 min
